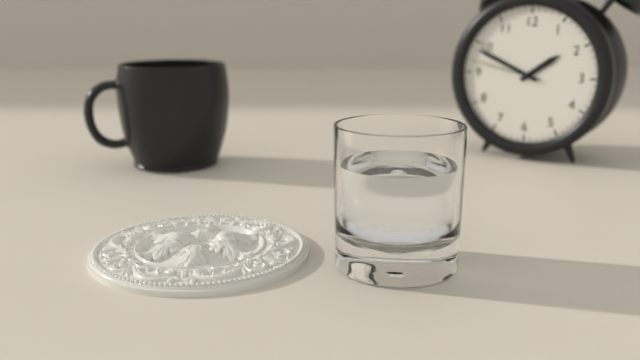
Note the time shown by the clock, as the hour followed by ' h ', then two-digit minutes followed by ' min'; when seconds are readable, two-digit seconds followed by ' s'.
1 h 49 min 47 s
